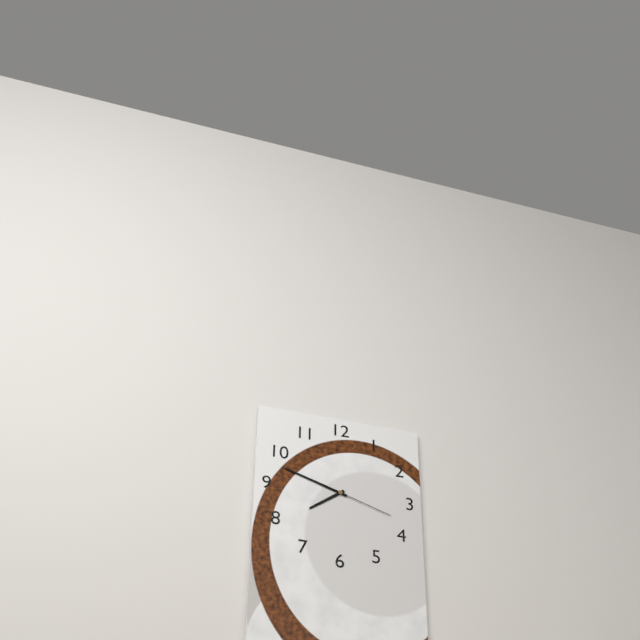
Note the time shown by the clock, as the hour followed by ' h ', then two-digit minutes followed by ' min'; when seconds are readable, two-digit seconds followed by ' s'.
7 h 48 min 18 s
